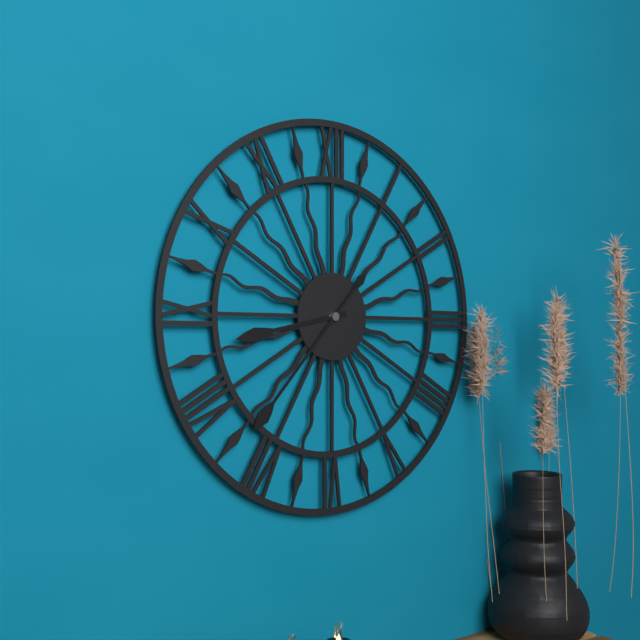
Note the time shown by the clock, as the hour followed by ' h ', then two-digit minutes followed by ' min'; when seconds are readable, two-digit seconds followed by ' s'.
8 h 37 min
